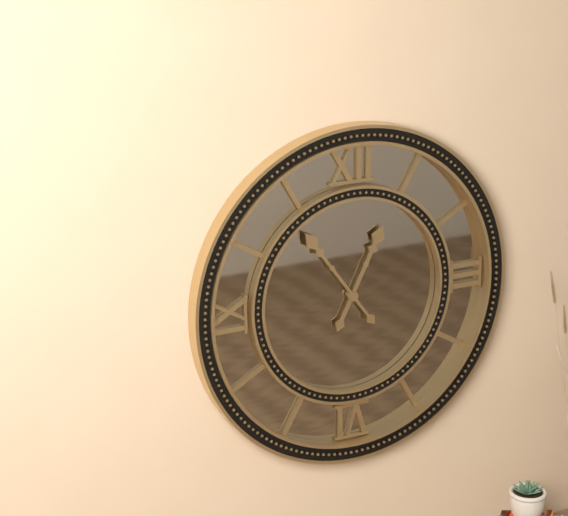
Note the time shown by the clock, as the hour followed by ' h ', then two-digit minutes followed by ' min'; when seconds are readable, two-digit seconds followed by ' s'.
12 h 54 min
